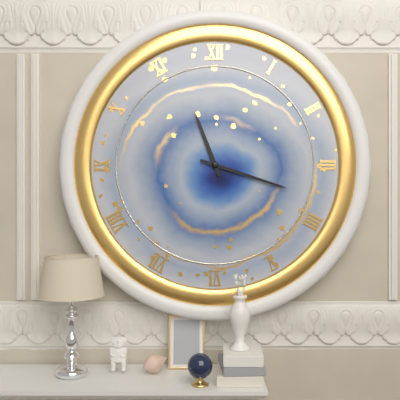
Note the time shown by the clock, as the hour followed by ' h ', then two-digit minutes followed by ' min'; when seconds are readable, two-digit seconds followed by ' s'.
11 h 18 min
